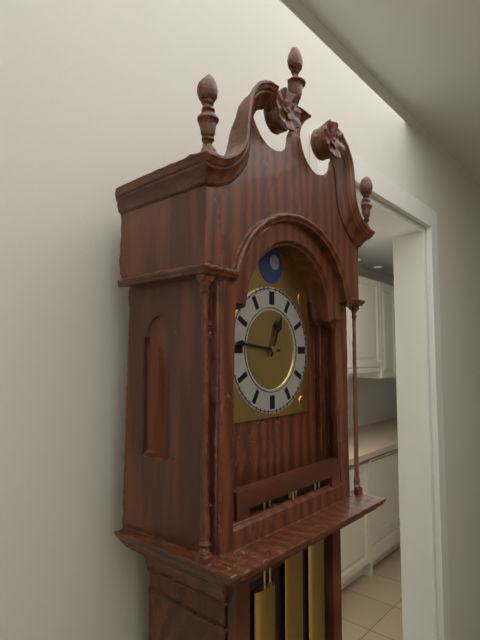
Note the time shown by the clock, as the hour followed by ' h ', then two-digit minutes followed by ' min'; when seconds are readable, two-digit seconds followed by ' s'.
12 h 46 min
